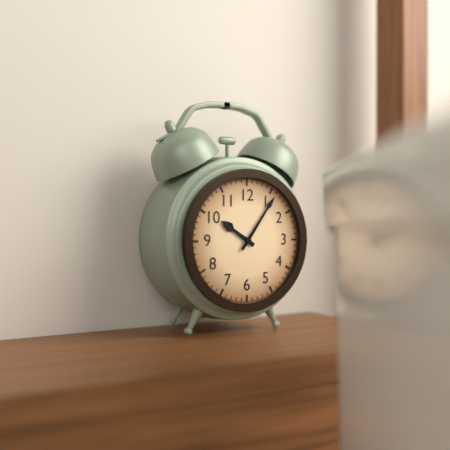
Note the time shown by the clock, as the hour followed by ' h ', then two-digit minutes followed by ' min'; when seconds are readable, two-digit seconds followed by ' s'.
10 h 06 min
